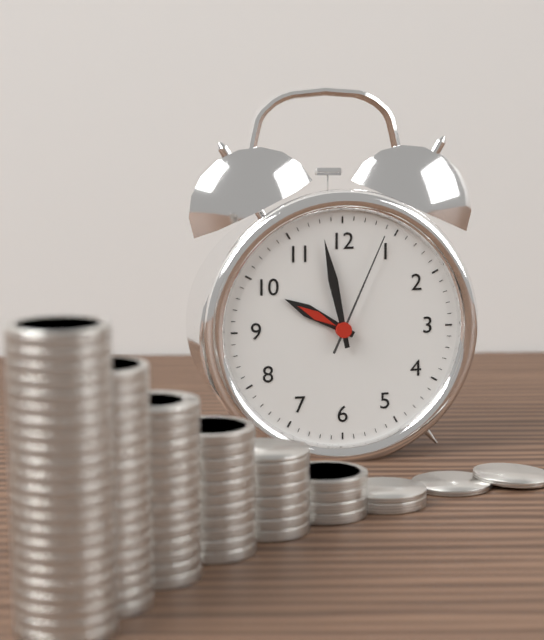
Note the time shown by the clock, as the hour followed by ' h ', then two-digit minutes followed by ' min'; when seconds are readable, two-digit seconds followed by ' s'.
9 h 58 min 04 s
